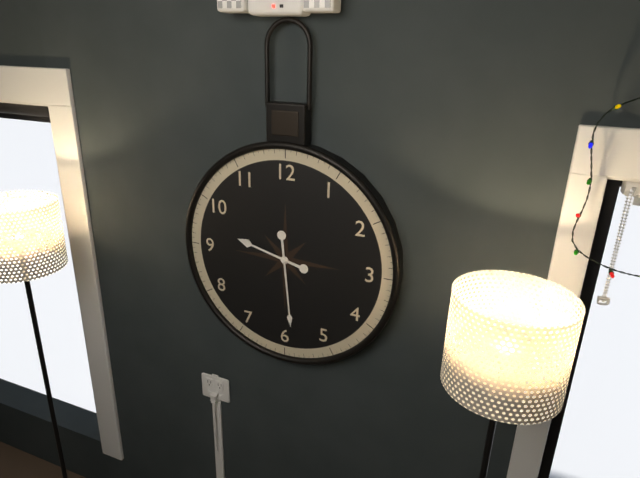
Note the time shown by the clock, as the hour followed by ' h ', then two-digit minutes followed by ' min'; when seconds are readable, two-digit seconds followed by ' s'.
9 h 29 min
